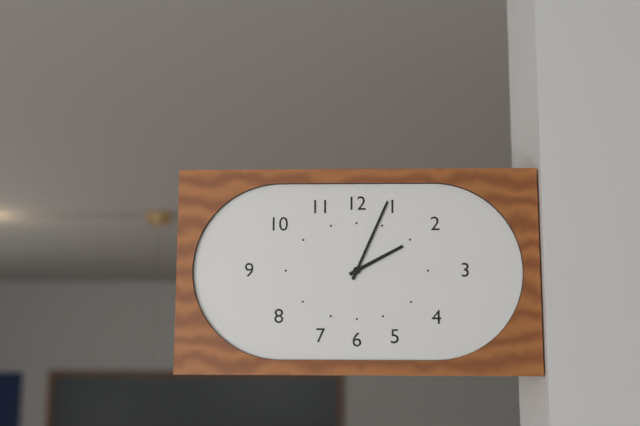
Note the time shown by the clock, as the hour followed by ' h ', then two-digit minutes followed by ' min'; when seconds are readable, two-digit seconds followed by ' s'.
2 h 04 min
